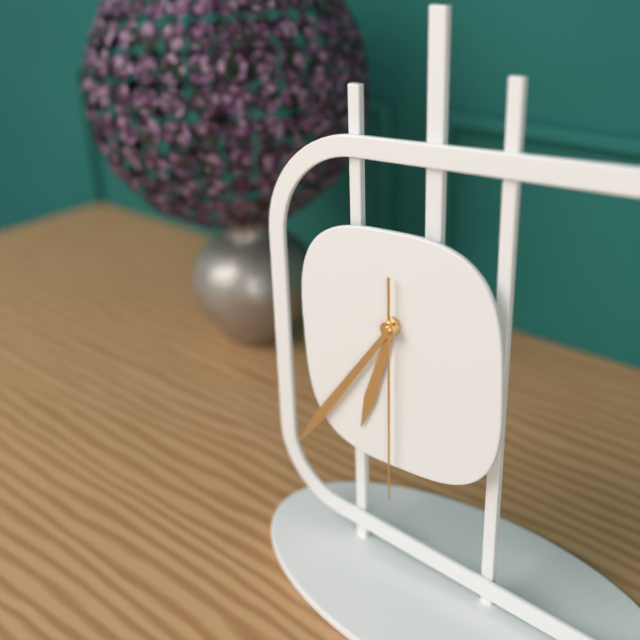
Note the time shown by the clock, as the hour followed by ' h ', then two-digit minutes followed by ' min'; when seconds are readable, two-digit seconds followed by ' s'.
6 h 36 min 30 s
